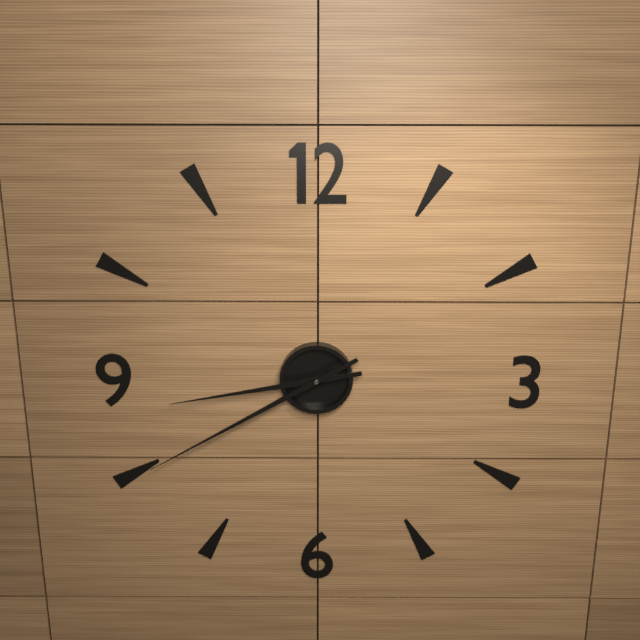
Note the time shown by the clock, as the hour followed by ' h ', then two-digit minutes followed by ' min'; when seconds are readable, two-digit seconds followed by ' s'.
8 h 40 min
